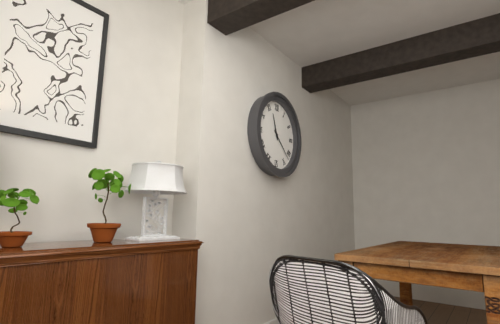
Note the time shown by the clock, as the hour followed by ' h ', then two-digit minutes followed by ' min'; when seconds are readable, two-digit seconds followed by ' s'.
11 h 22 min
